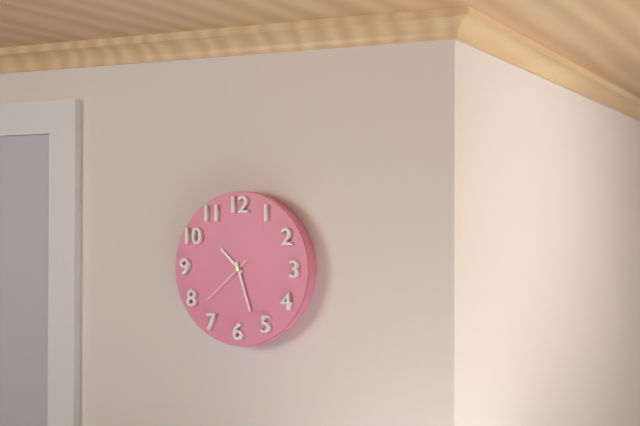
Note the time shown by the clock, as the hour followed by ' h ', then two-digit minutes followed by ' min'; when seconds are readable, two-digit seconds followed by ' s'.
10 h 27 min 38 s
